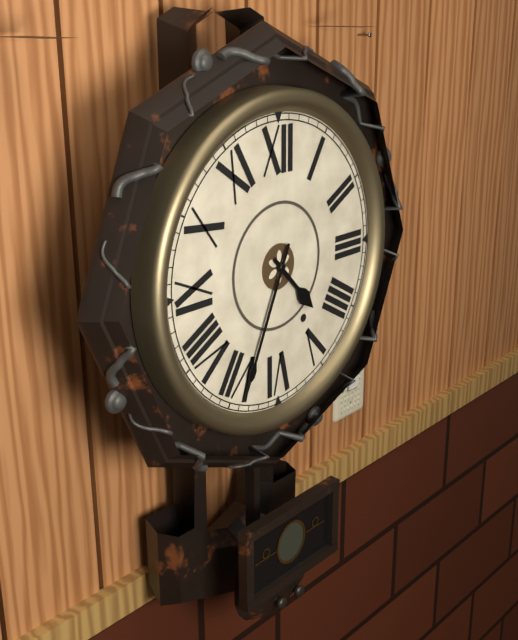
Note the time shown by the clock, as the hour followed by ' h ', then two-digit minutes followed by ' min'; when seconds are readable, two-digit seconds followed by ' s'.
4 h 34 min
